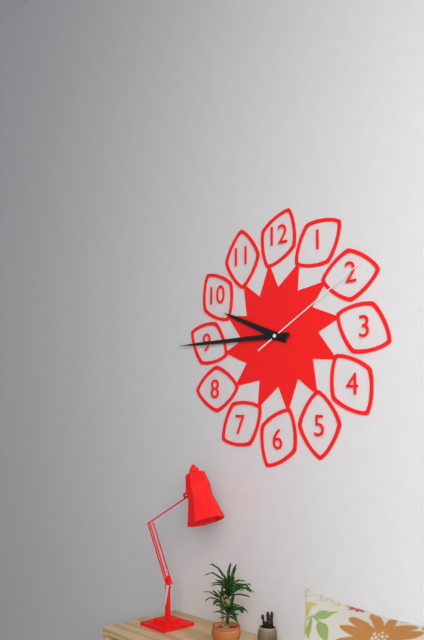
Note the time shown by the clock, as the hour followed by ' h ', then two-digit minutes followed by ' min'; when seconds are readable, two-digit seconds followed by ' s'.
9 h 45 min 10 s
